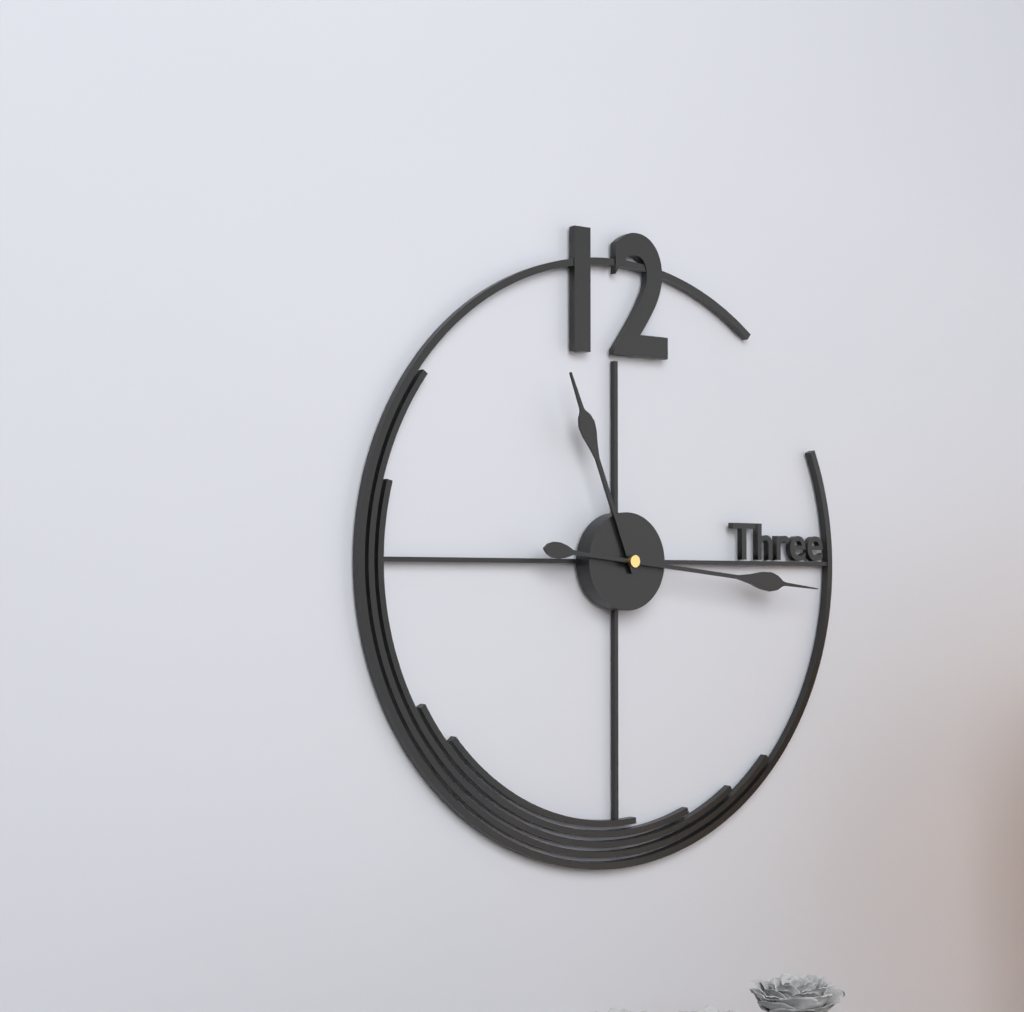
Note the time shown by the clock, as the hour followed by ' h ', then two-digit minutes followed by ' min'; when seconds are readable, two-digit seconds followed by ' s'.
11 h 16 min
